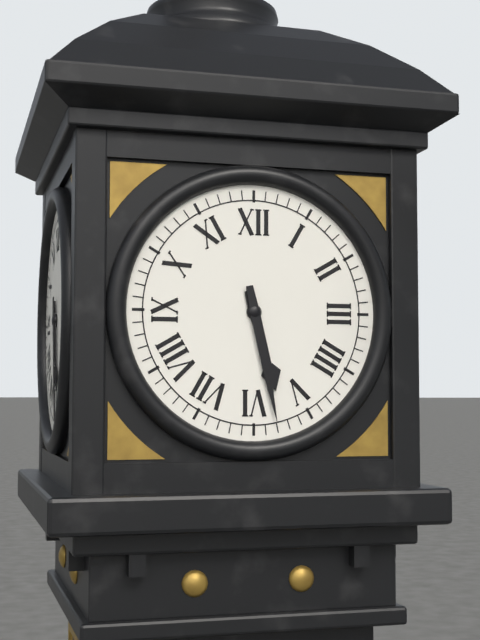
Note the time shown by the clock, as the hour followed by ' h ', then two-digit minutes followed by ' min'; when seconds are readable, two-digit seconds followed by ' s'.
5 h 28 min
